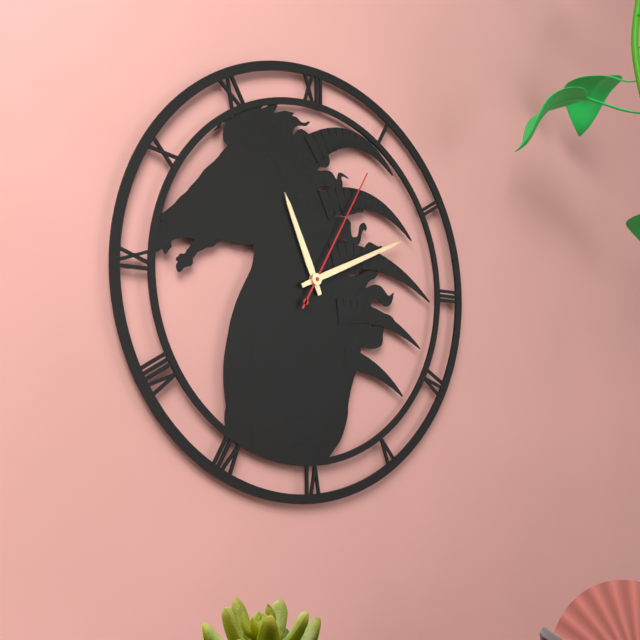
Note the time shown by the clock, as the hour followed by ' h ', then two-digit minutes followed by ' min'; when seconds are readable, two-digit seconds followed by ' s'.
11 h 11 min 05 s
